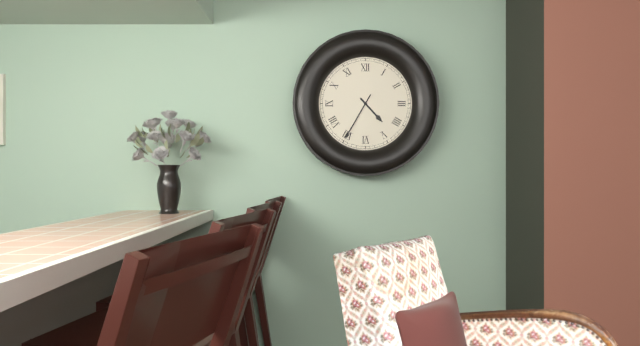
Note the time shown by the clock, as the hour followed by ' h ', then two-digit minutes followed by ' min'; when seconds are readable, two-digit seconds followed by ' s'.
4 h 35 min
